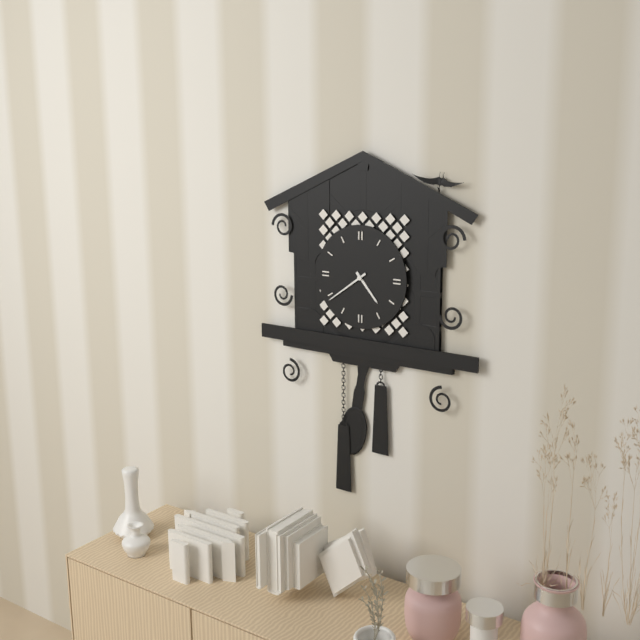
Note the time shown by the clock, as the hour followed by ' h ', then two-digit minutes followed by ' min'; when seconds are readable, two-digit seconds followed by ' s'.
4 h 39 min
